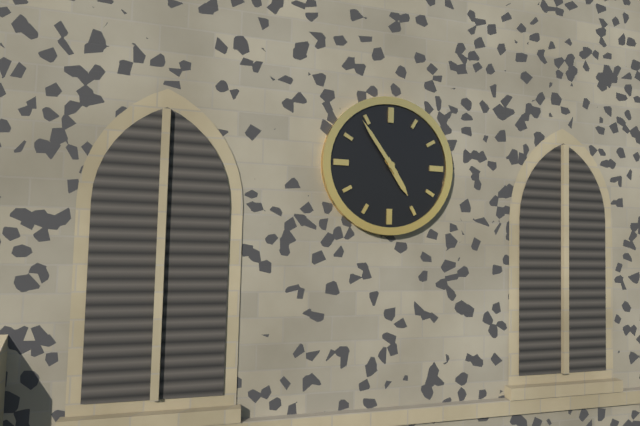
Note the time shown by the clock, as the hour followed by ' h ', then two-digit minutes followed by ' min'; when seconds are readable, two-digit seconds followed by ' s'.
4 h 54 min
